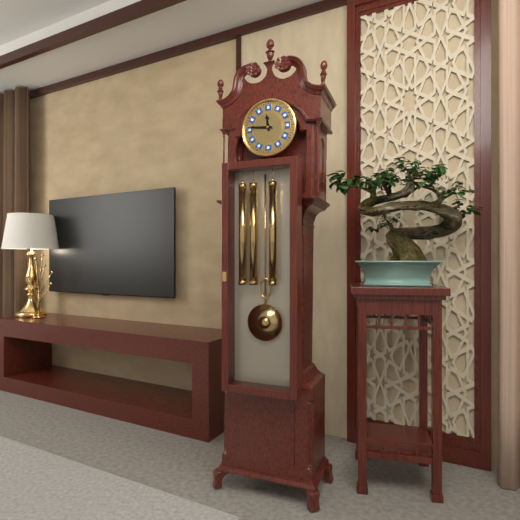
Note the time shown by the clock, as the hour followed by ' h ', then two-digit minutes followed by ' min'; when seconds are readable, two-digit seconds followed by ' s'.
11 h 46 min
